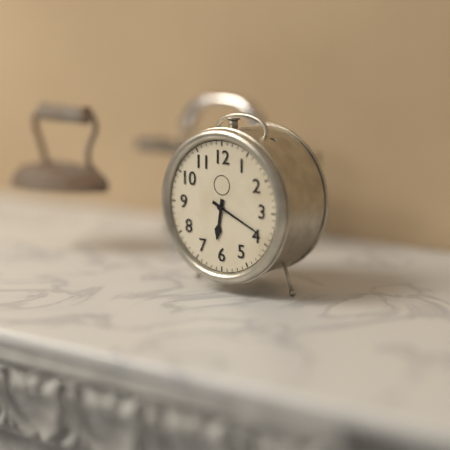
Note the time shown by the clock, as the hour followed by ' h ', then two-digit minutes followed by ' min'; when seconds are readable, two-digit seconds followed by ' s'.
6 h 19 min
